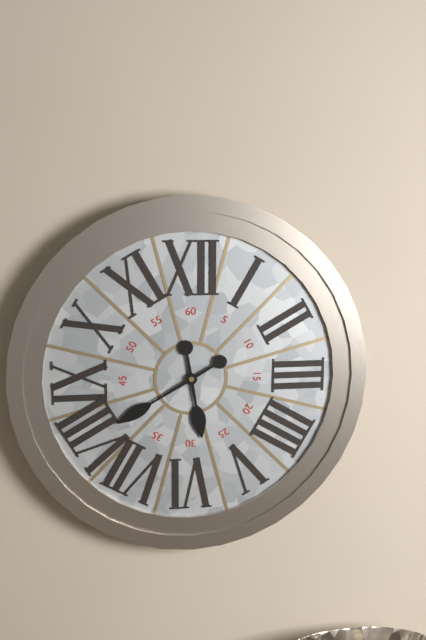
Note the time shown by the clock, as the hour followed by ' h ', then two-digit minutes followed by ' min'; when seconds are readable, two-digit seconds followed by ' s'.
5 h 40 min
